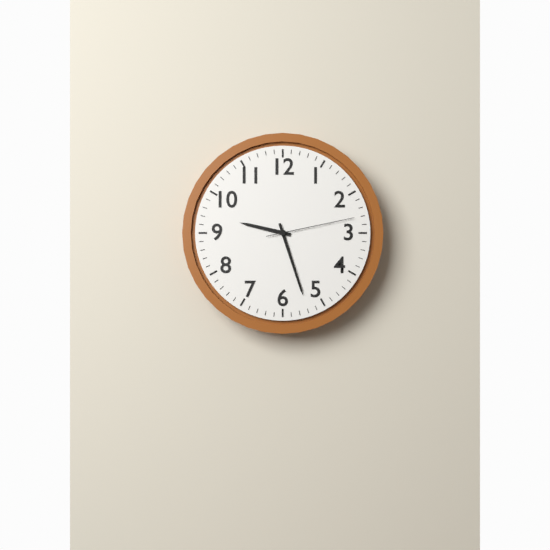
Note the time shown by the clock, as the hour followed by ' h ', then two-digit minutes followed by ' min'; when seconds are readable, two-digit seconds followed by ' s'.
9 h 27 min 13 s
